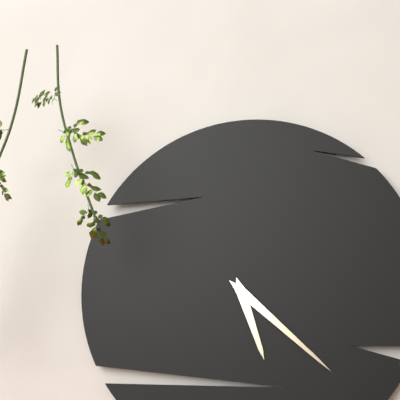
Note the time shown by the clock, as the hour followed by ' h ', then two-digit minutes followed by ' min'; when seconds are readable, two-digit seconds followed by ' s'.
5 h 22 min
